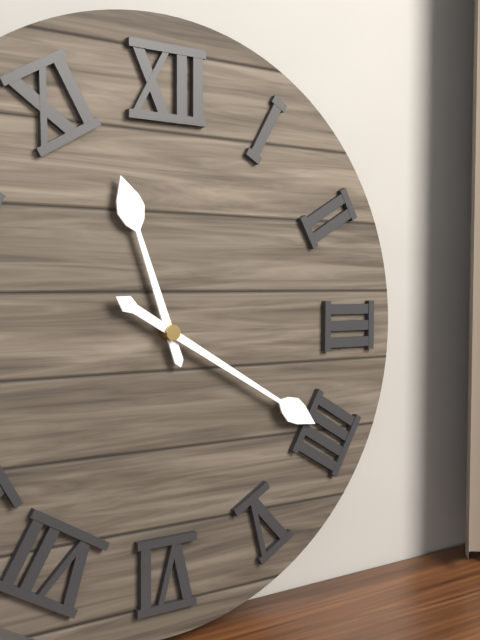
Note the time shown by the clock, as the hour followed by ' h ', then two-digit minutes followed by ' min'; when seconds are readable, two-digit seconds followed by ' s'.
11 h 20 min
